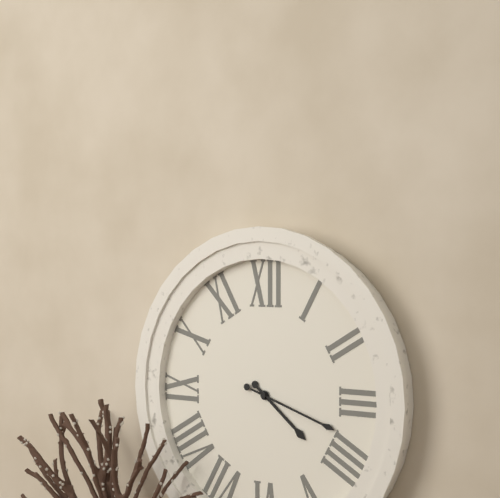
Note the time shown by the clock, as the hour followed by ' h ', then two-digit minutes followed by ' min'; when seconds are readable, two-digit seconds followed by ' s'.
4 h 18 min
